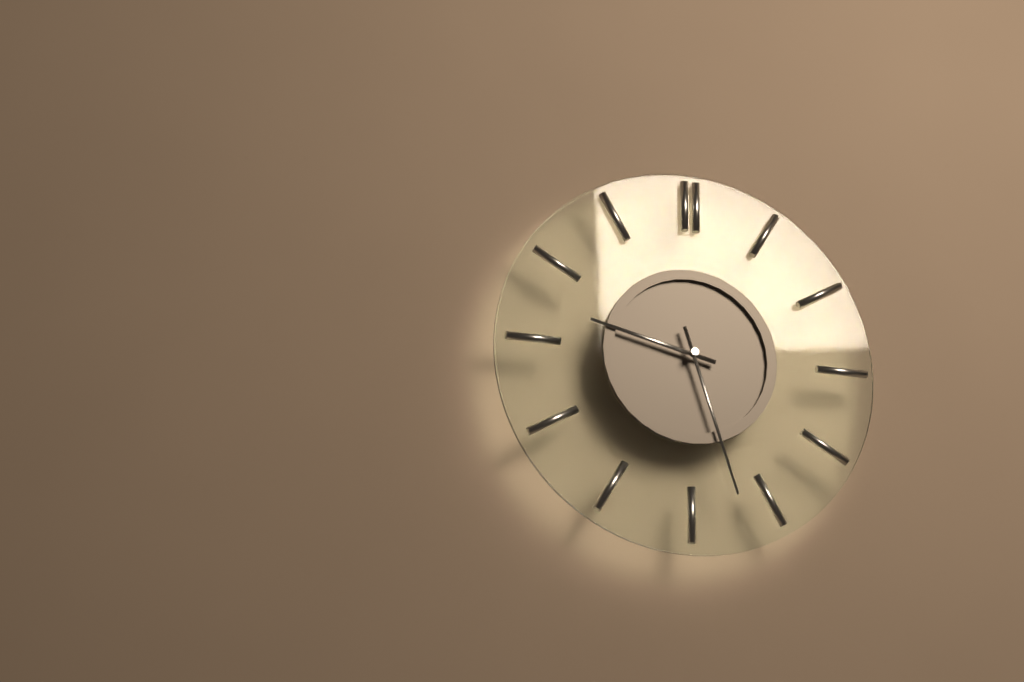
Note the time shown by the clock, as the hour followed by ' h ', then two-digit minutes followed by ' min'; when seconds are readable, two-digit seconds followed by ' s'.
9 h 27 min
